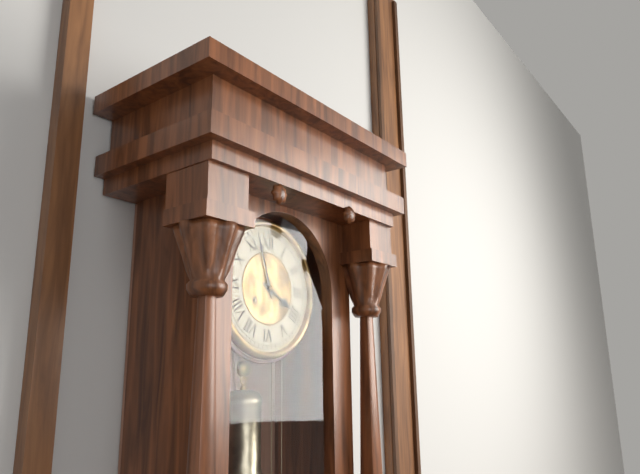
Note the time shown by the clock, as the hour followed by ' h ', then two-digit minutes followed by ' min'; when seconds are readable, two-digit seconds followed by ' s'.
3 h 57 min
